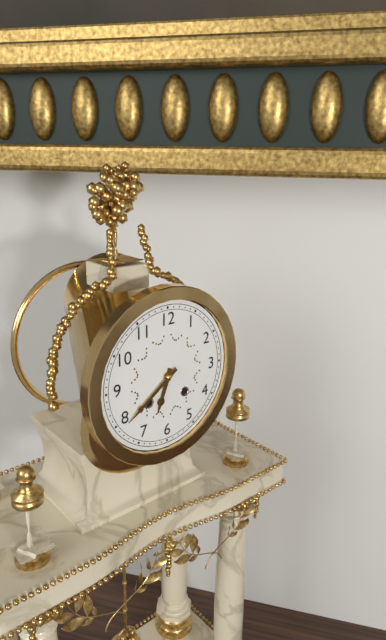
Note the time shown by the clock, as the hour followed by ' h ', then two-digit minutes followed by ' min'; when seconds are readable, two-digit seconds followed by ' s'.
6 h 39 min
